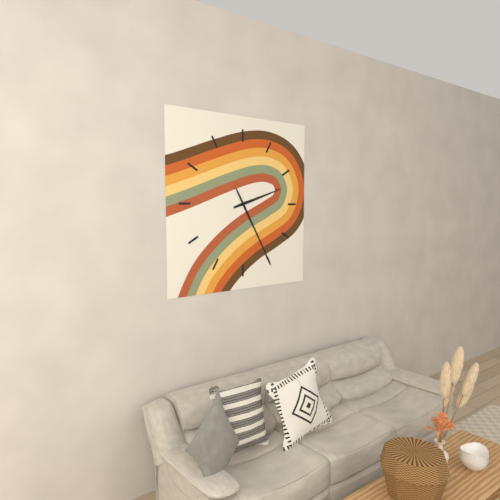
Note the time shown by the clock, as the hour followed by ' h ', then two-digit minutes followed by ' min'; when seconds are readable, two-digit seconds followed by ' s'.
2 h 25 min
